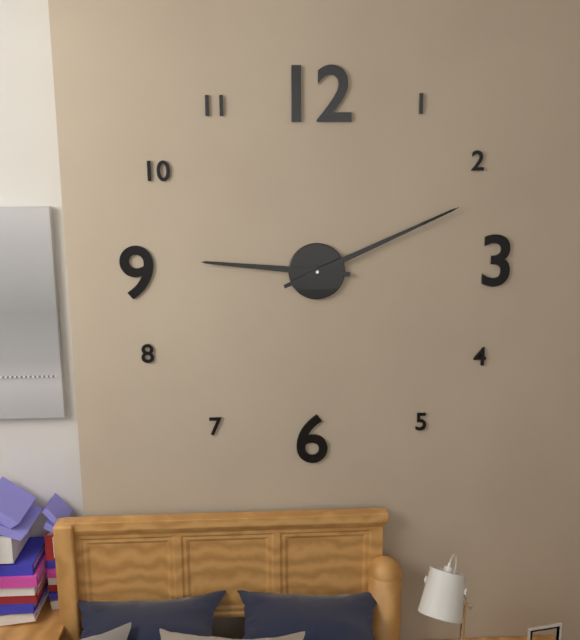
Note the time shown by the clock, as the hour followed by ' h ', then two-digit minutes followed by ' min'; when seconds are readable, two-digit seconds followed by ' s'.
9 h 11 min
